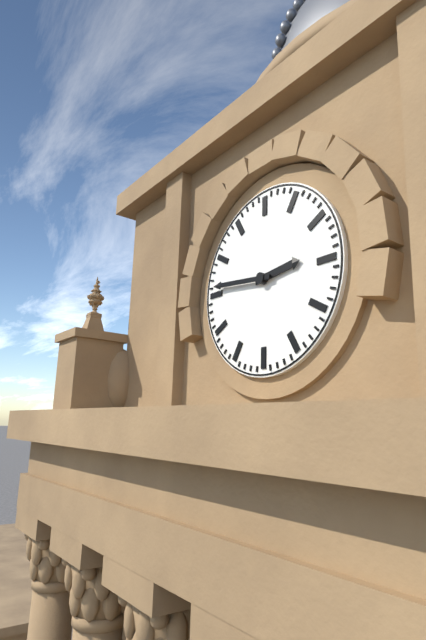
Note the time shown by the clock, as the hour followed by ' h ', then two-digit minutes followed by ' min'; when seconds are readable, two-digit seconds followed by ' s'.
2 h 46 min
